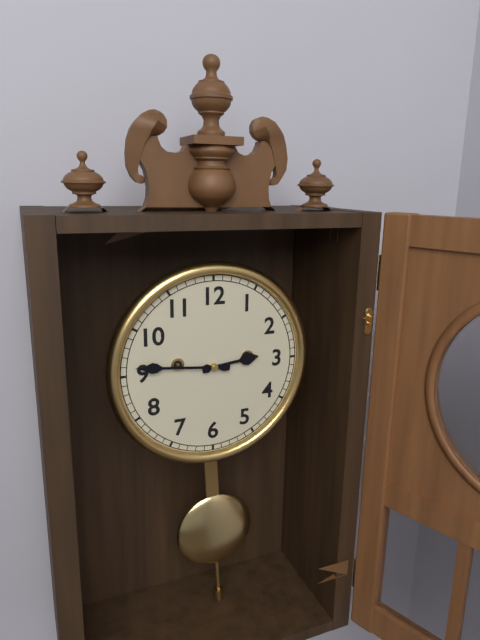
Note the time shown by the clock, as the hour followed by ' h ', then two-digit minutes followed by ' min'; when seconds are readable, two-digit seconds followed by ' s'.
2 h 46 min
